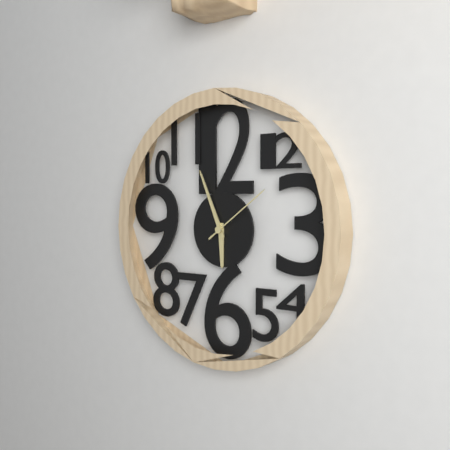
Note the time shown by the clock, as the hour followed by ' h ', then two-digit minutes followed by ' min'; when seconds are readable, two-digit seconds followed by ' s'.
5 h 56 min 09 s
